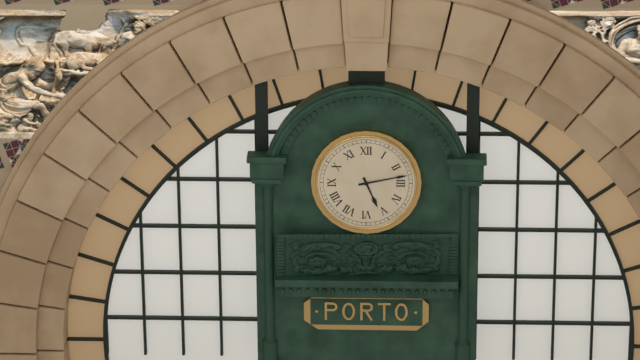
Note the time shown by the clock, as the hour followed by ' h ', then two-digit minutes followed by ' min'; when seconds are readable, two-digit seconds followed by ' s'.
5 h 13 min
